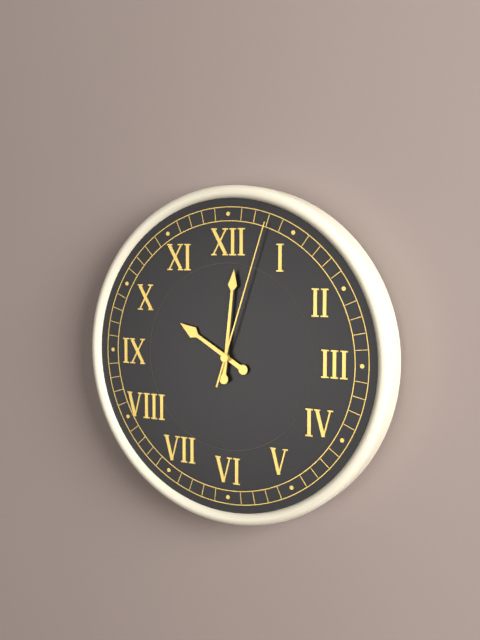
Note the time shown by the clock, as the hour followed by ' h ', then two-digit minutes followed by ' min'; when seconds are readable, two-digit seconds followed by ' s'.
10 h 01 min 03 s
